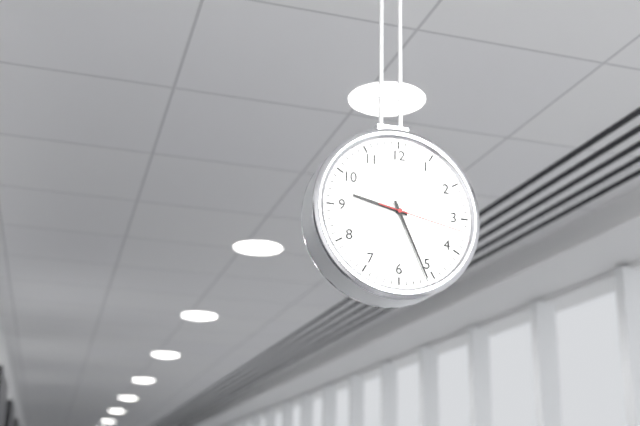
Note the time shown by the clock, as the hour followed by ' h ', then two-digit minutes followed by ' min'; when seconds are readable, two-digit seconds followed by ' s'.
9 h 26 min 17 s
